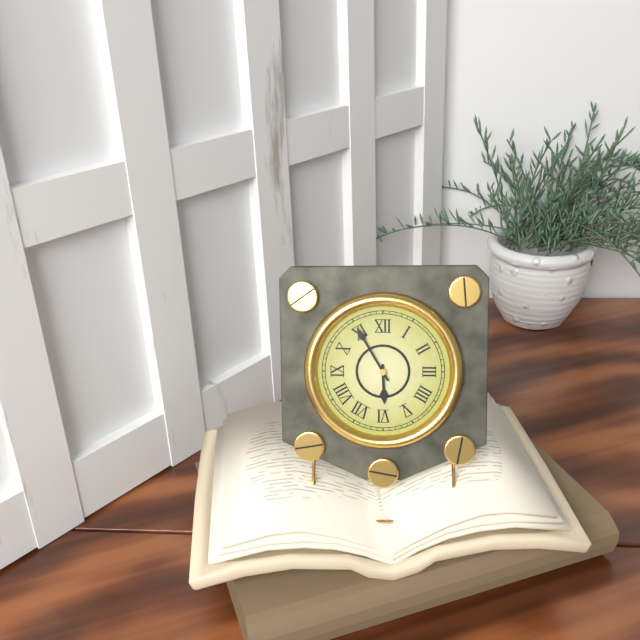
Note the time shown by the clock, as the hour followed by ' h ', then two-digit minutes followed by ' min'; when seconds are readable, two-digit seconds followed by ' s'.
5 h 55 min
